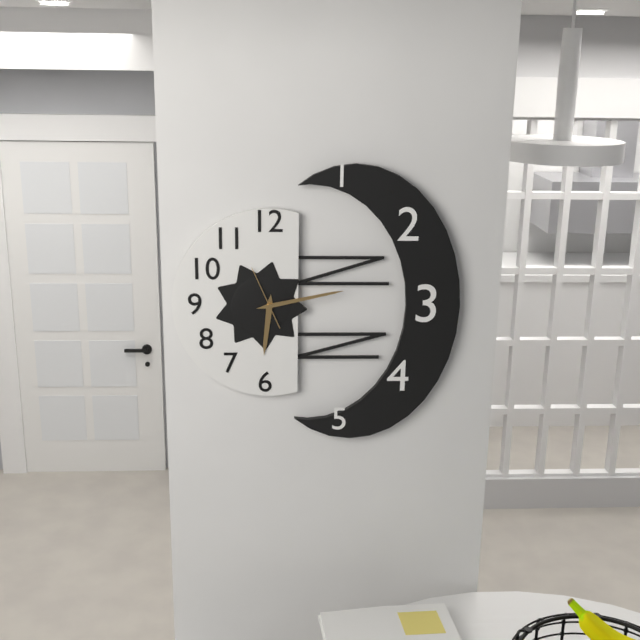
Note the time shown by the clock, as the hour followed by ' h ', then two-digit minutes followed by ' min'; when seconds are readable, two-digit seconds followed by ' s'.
6 h 13 min
